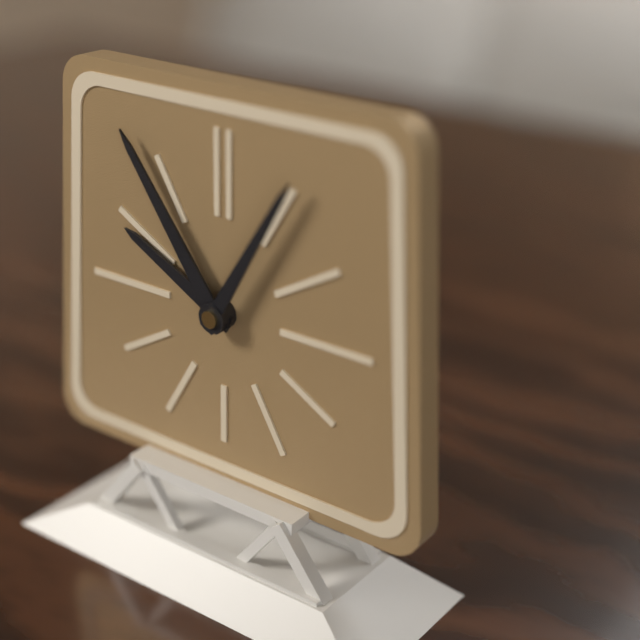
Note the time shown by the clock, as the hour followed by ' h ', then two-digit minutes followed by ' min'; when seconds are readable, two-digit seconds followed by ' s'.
9 h 54 min 05 s
